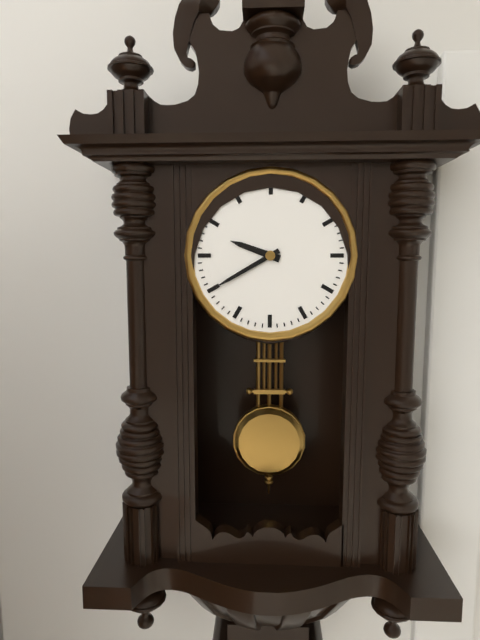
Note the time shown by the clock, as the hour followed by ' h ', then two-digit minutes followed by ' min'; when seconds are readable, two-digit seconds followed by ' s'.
9 h 40 min
